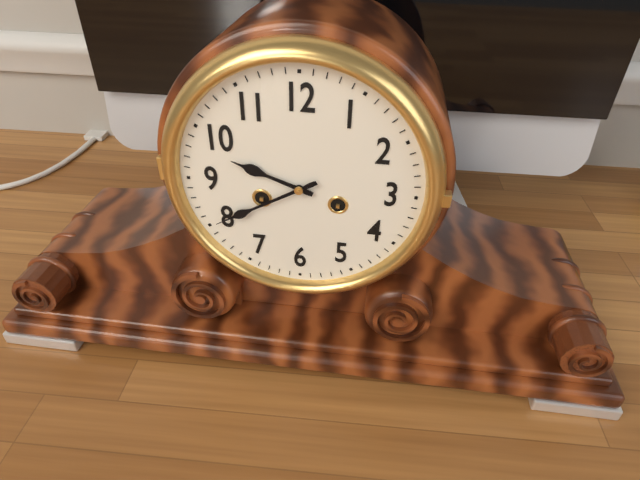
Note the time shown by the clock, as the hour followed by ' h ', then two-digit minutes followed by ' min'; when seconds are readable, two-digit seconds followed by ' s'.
9 h 40 min
